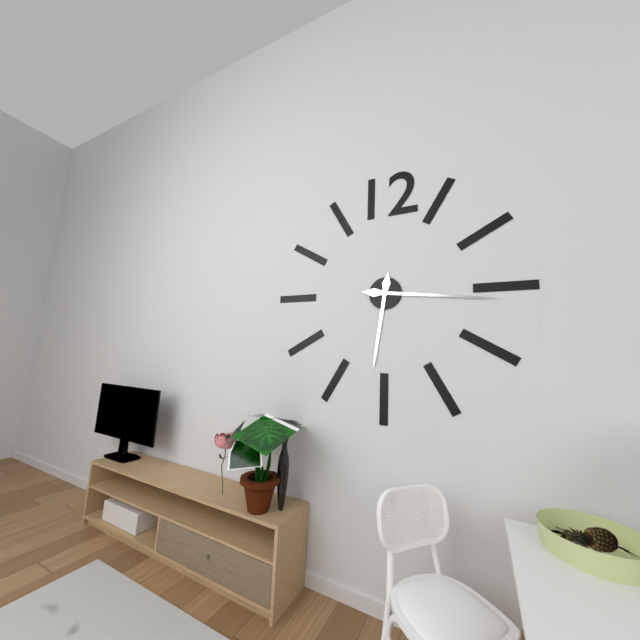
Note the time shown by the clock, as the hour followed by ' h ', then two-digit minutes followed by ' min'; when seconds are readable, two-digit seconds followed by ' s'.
6 h 16 min
